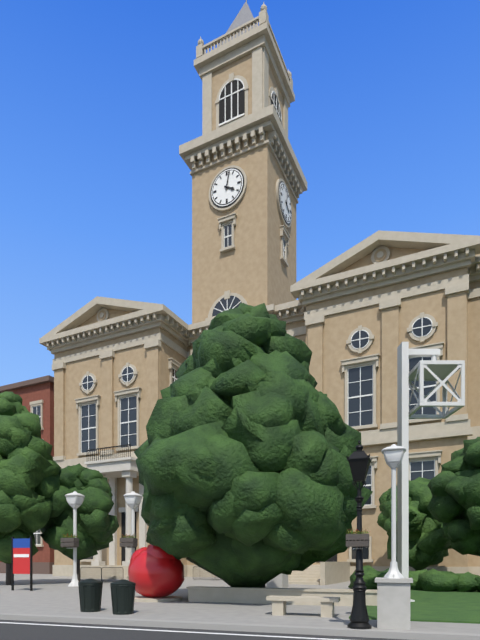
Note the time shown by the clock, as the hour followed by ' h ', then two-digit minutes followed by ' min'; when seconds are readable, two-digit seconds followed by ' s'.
4 h 02 min
